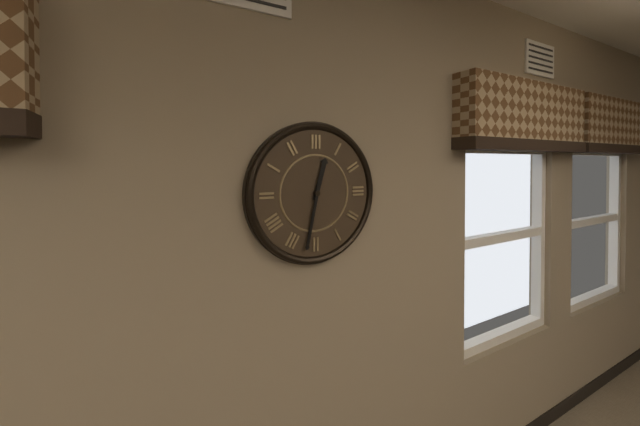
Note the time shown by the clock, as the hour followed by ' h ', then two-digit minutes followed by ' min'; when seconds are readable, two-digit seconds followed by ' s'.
12 h 32 min
